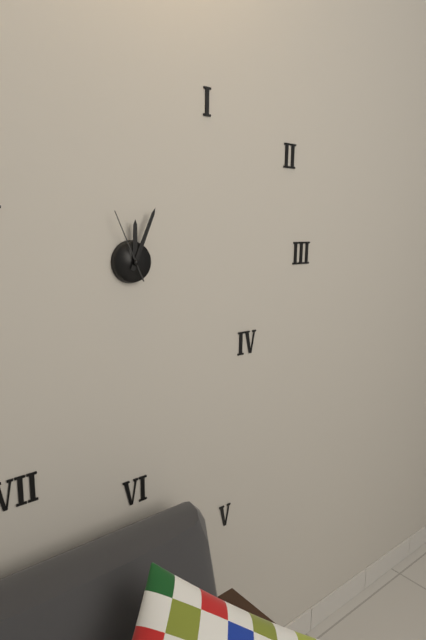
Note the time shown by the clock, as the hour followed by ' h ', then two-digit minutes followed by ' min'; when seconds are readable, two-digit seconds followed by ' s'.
12 h 04 min 56 s
